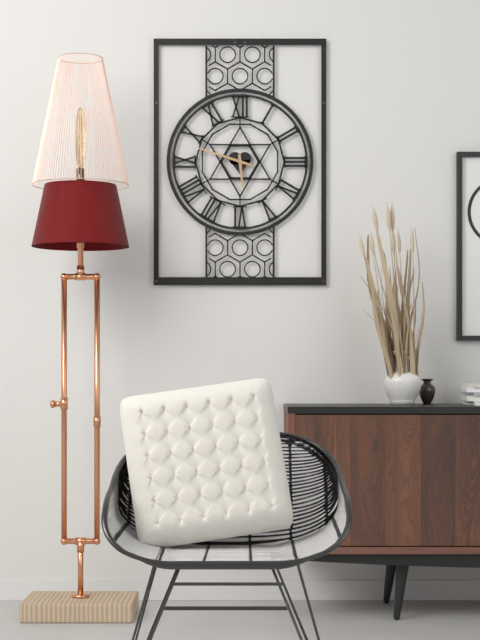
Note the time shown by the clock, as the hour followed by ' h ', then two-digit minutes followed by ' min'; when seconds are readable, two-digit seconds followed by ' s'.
5 h 48 min
